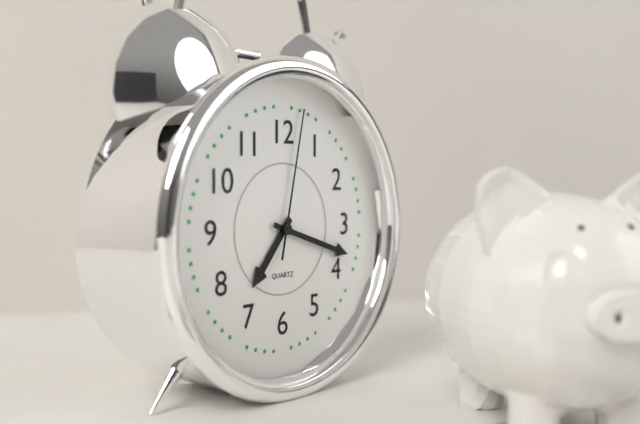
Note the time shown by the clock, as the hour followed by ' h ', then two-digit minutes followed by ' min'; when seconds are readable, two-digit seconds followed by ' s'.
7 h 18 min 02 s
